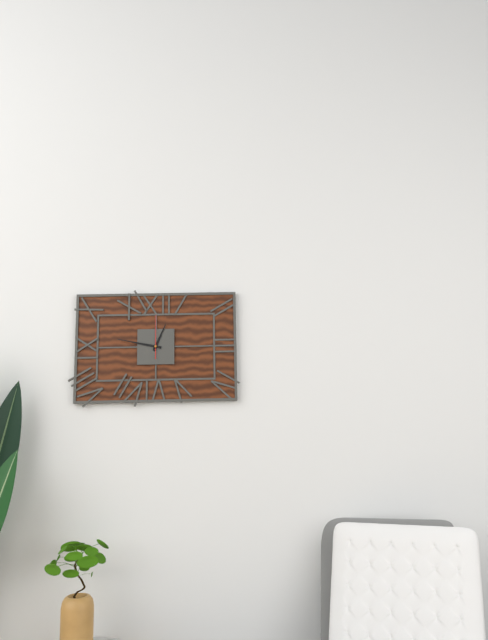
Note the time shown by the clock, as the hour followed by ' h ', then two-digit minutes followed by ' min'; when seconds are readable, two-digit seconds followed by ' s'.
12 h 47 min
